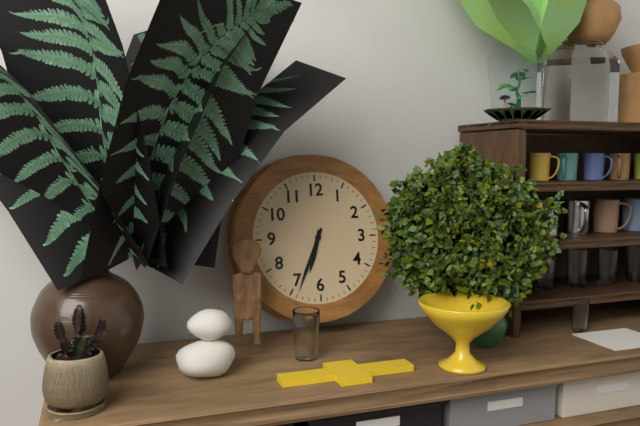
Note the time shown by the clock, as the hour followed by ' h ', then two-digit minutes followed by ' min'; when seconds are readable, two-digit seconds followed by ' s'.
6 h 34 min
